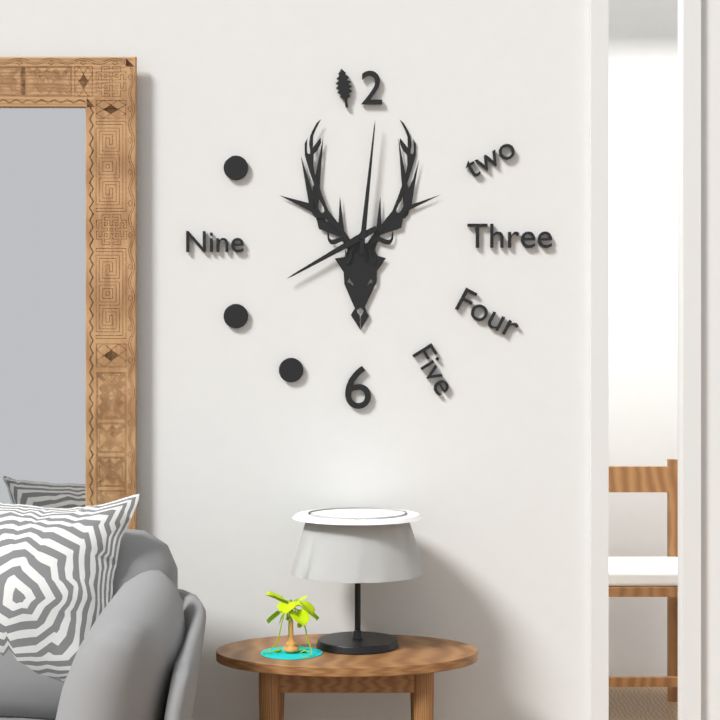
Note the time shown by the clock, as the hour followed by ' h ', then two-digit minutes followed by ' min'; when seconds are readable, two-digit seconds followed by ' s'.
8 h 01 min
